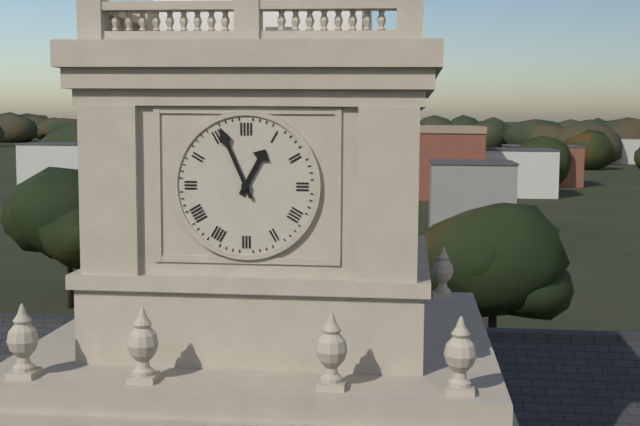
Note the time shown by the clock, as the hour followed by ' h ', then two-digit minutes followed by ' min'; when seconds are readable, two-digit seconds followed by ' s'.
12 h 56 min
